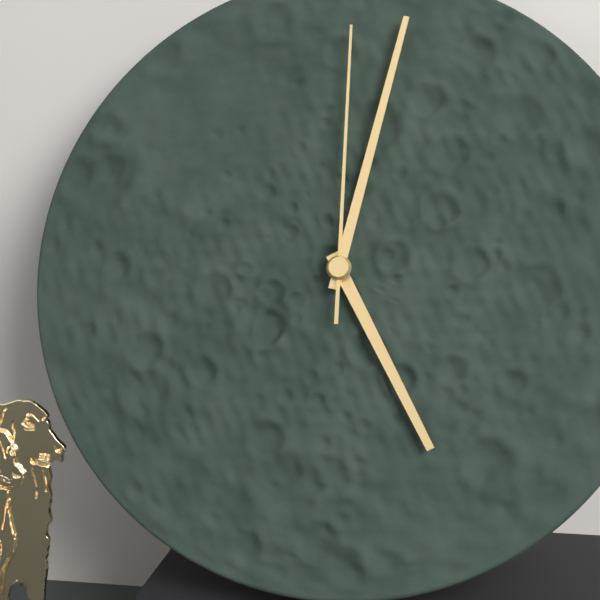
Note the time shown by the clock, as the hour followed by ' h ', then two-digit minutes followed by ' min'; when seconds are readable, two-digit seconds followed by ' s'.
5 h 02 min 00 s
